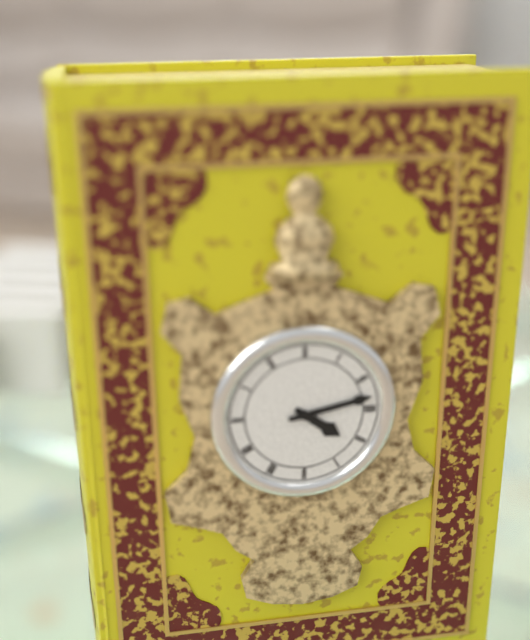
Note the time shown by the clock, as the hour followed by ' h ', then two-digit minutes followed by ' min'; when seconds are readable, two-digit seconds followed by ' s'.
4 h 13 min
